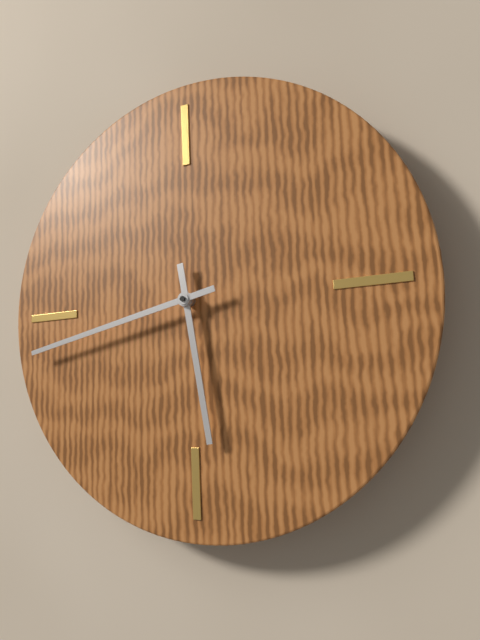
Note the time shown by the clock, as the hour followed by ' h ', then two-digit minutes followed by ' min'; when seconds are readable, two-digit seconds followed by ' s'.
5 h 43 min
